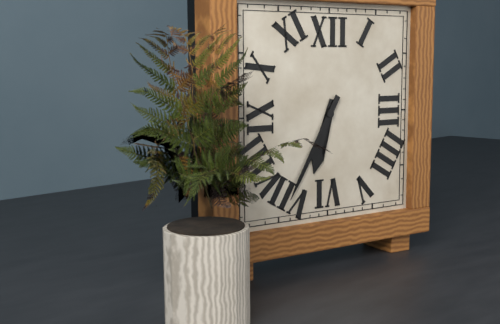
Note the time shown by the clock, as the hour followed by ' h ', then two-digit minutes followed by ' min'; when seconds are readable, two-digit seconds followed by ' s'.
6 h 35 min
